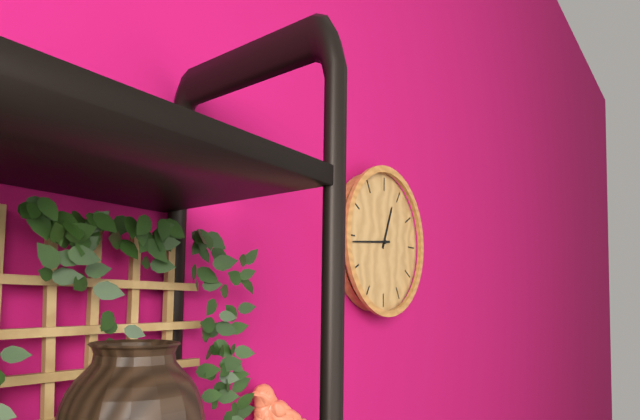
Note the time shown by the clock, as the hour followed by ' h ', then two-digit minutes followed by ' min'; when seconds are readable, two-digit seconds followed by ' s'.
12 h 44 min
